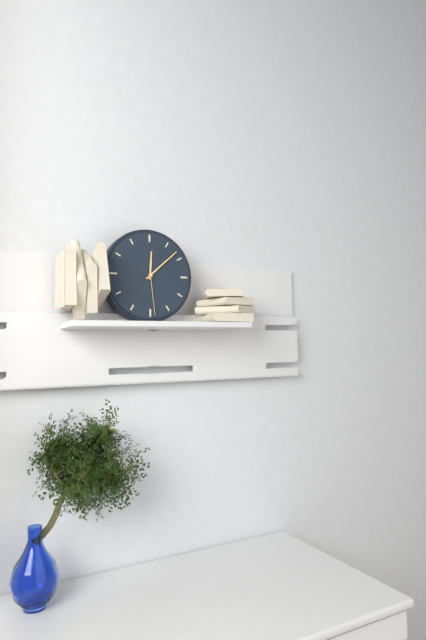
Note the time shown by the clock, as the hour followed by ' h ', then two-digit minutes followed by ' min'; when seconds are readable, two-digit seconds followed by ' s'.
12 h 08 min 29 s
